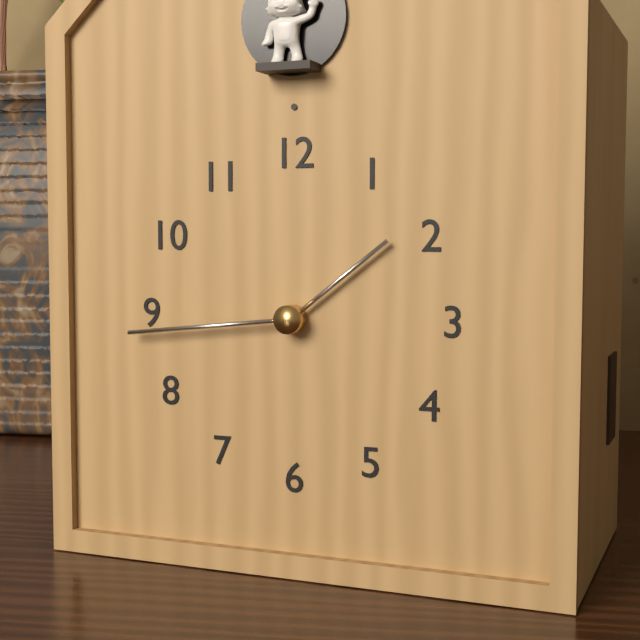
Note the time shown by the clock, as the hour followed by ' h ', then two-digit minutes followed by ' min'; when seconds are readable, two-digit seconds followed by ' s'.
1 h 44 min
